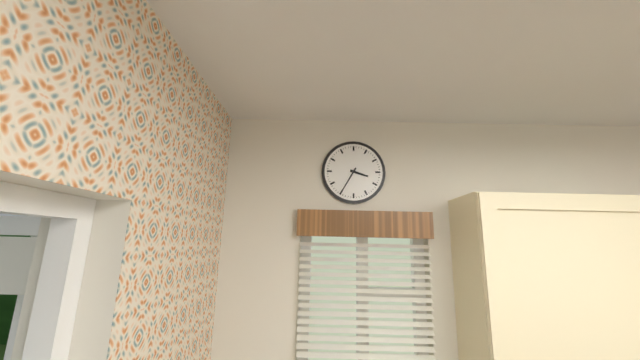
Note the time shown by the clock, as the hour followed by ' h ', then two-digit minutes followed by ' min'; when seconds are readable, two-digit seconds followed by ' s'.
3 h 35 min
